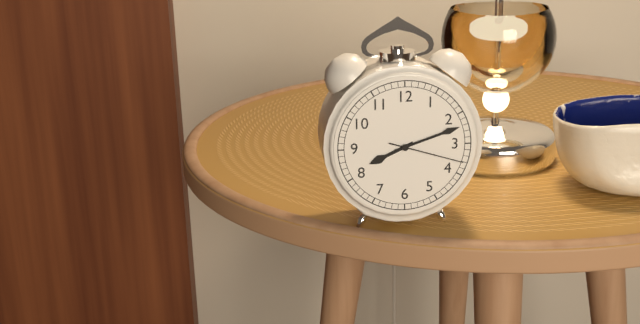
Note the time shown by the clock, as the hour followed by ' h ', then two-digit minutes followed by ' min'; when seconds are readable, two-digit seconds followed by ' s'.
8 h 12 min 18 s
